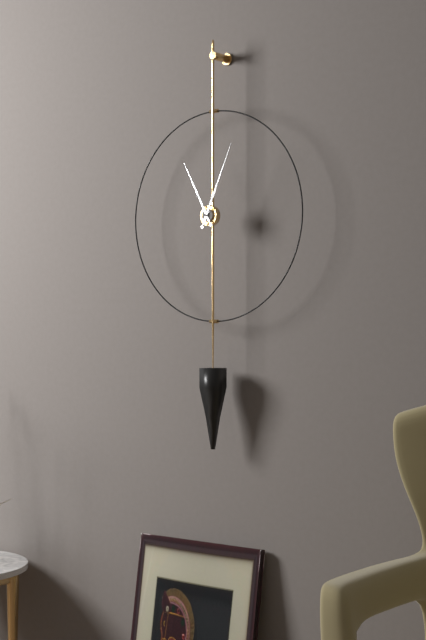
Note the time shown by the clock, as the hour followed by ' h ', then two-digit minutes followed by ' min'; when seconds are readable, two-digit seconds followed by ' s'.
11 h 04 min
